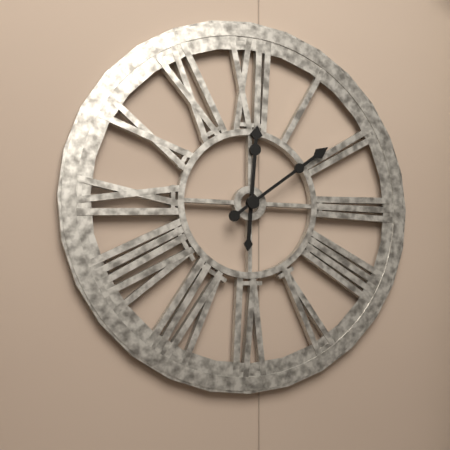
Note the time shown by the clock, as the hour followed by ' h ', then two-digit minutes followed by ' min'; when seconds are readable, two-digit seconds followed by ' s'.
12 h 09 min
